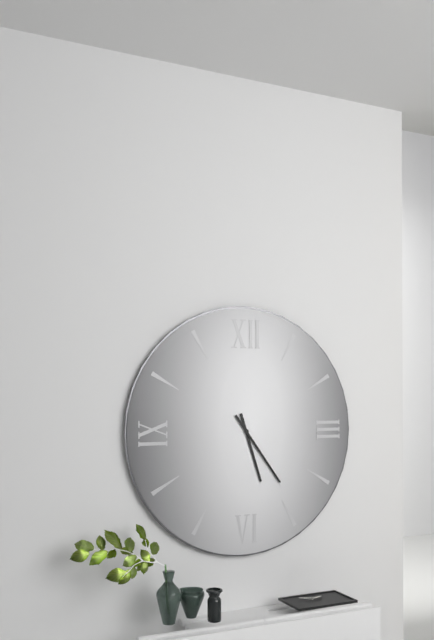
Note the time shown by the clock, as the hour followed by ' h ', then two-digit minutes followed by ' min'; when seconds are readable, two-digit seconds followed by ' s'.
5 h 24 min
